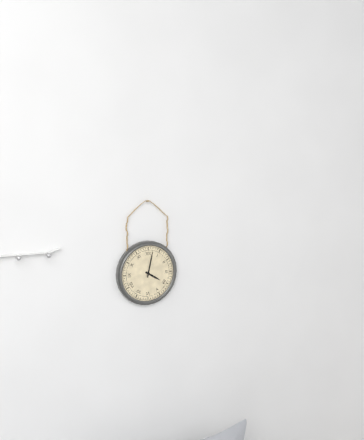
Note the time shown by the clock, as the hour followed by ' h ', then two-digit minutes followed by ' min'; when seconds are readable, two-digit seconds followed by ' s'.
4 h 02 min
